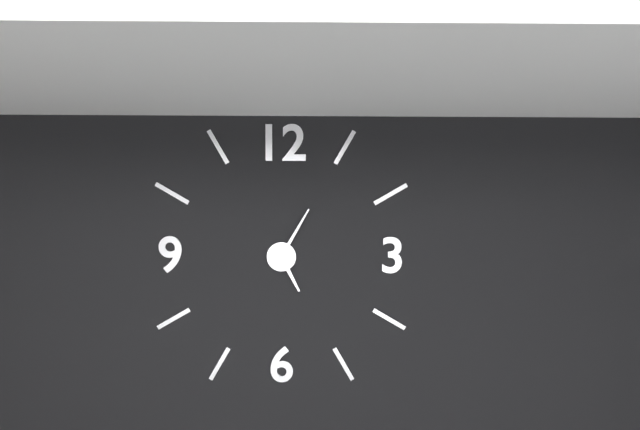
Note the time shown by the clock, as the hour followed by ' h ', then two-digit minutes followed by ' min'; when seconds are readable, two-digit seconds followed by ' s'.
5 h 05 min
